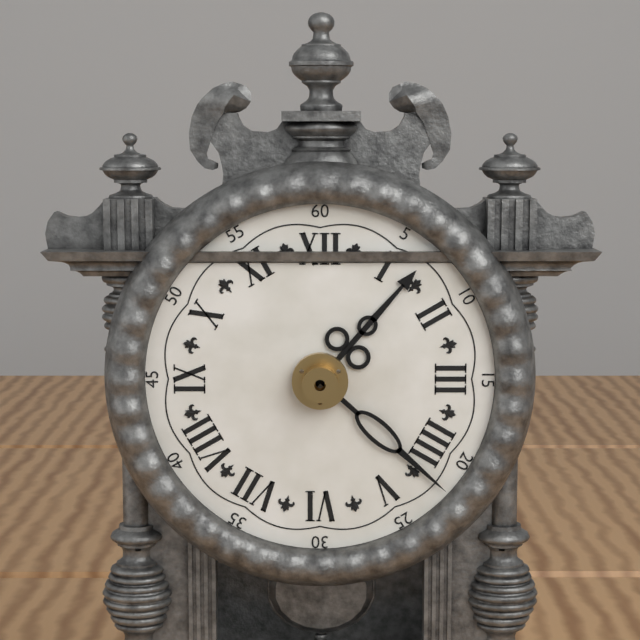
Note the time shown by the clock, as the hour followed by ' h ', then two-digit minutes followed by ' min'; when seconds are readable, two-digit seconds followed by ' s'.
1 h 22 min
